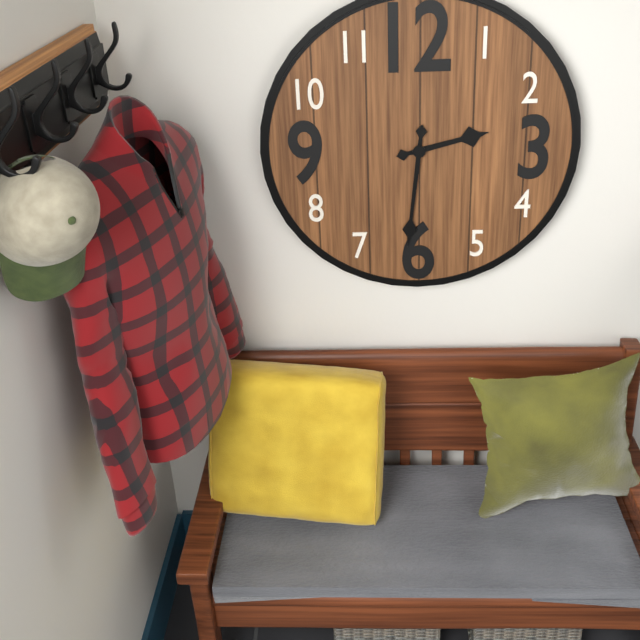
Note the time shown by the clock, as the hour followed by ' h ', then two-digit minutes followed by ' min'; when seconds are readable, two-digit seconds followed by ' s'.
2 h 31 min
